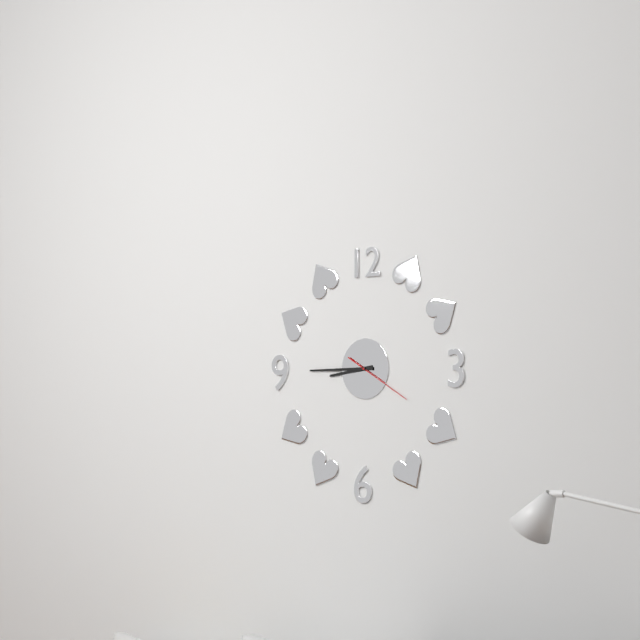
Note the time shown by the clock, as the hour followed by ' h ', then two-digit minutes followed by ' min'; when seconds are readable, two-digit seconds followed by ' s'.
8 h 45 min 20 s
